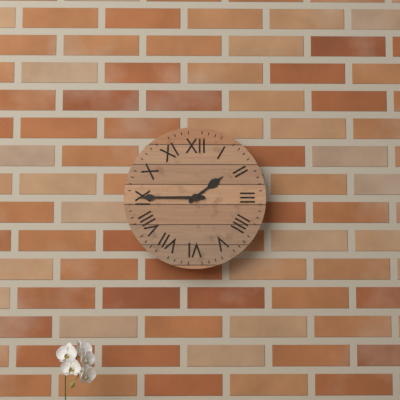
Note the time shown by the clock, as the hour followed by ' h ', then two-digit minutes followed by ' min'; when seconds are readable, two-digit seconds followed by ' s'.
1 h 45 min
